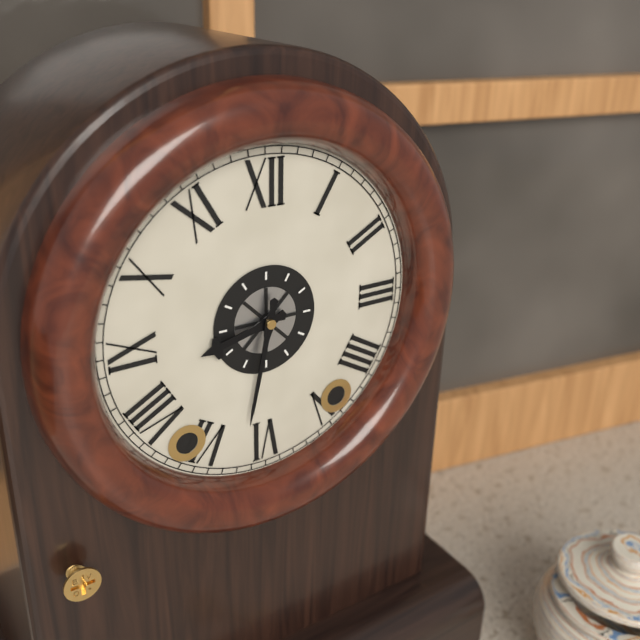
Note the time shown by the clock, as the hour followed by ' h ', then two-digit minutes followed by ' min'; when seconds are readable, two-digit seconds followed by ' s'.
8 h 32 min
